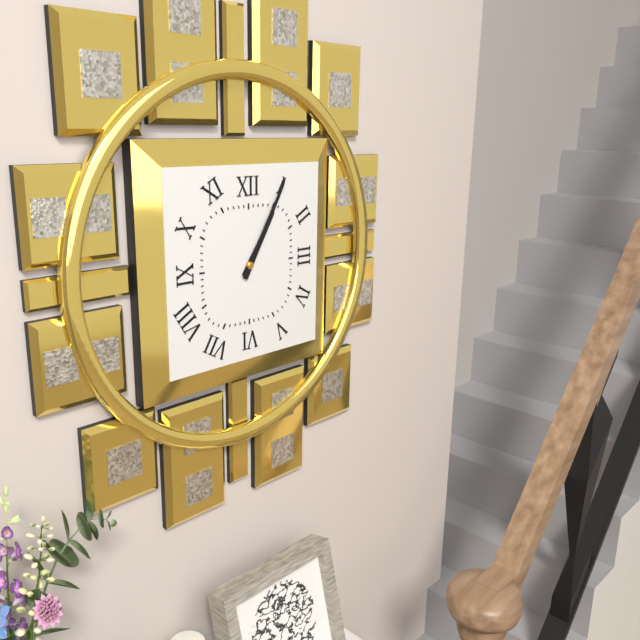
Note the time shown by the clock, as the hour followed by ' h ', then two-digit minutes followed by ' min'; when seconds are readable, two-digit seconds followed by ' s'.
1 h 05 min
